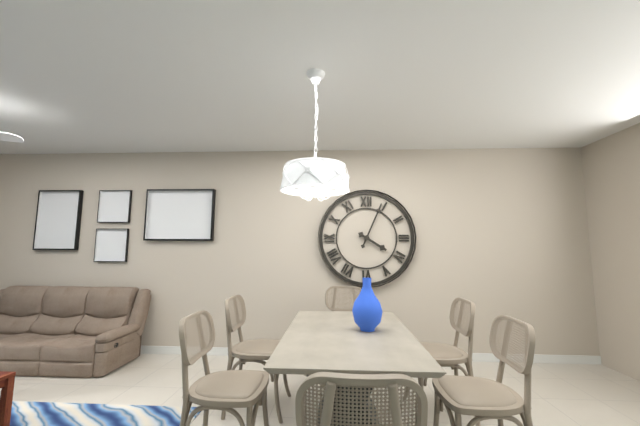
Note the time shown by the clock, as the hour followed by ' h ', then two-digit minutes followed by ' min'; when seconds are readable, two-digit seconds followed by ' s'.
4 h 04 min
